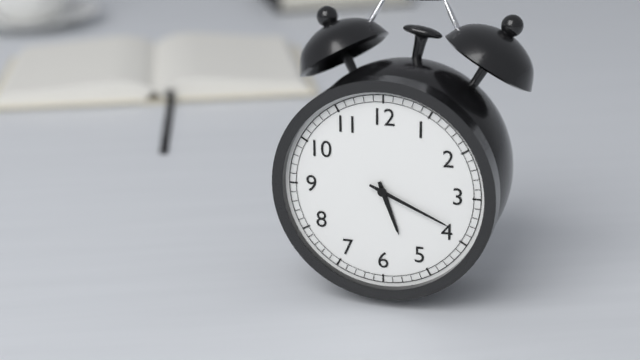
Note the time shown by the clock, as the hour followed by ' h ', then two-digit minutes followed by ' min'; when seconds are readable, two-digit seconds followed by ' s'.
5 h 19 min
